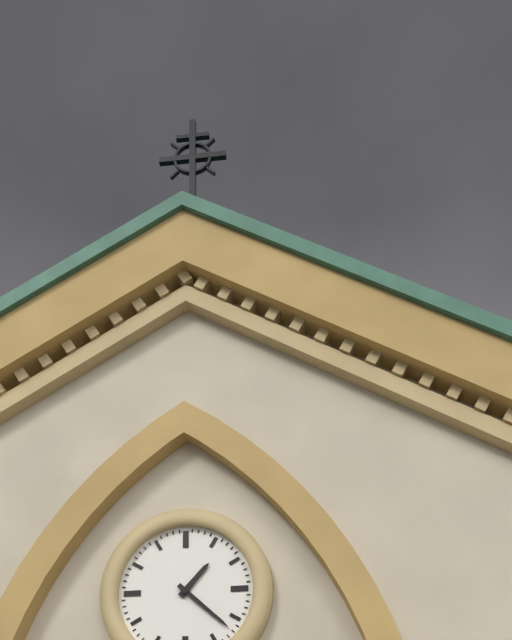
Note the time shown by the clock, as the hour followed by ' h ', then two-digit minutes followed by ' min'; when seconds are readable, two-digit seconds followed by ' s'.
1 h 22 min
